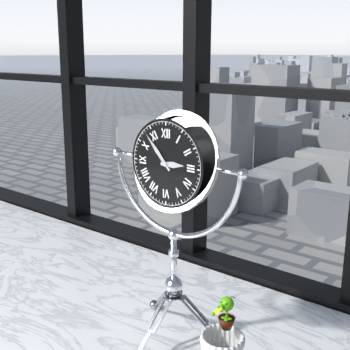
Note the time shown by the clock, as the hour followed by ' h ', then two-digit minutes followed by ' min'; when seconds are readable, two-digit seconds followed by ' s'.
2 h 53 min
